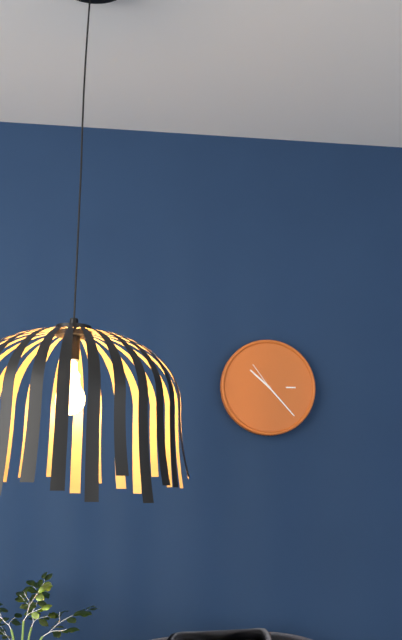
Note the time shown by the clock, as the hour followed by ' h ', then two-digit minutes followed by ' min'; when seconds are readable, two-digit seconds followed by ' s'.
10 h 23 min
